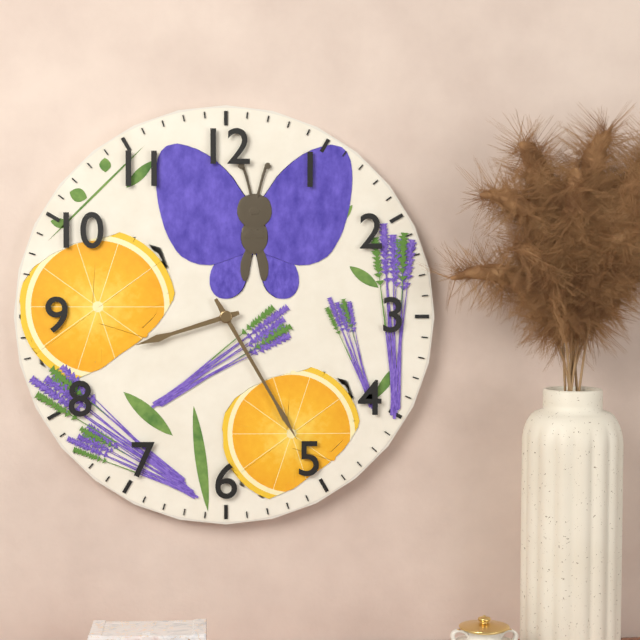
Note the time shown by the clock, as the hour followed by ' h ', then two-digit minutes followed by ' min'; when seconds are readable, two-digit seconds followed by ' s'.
8 h 25 min
